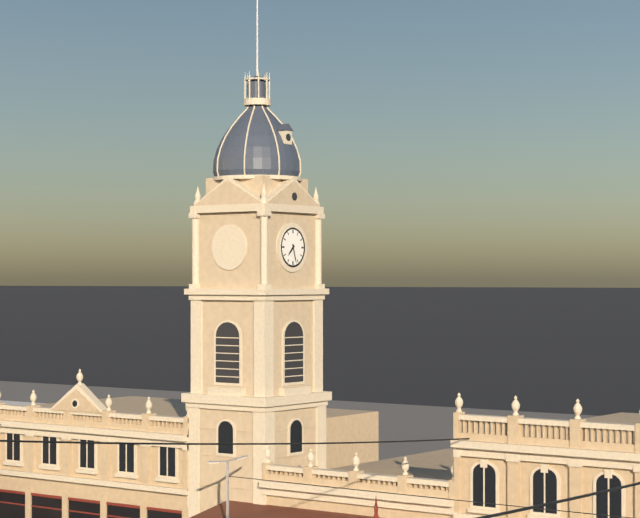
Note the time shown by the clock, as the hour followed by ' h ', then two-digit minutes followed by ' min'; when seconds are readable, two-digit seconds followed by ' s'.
7 h 27 min
